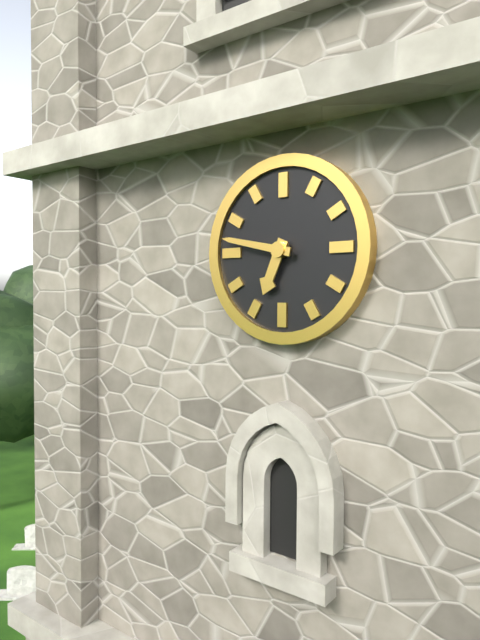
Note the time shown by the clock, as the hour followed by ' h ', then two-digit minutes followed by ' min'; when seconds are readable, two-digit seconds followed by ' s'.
6 h 47 min
